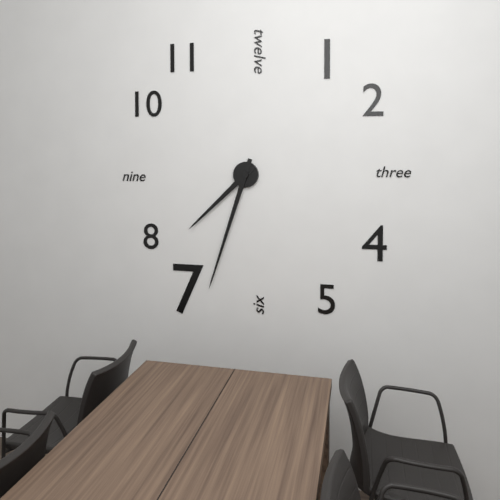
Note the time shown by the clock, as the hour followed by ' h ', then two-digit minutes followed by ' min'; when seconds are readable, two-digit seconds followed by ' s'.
7 h 33 min
